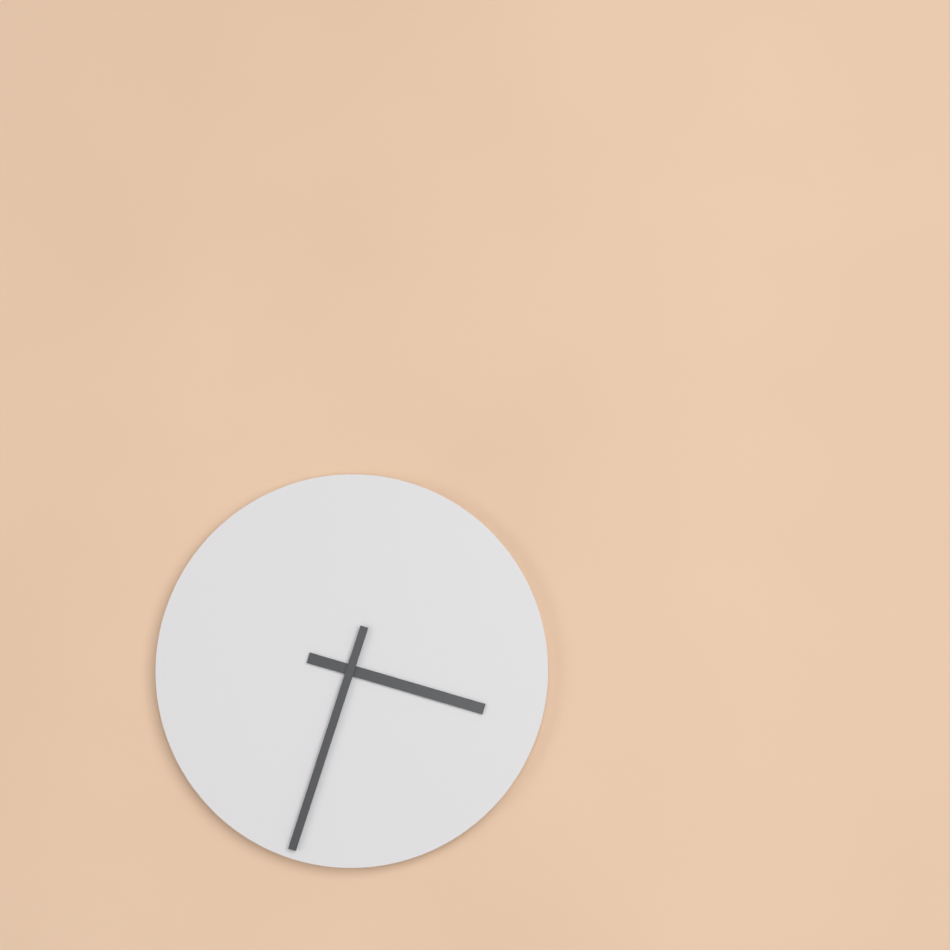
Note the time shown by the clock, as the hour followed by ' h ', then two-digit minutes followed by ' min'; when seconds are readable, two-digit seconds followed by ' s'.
3 h 33 min
